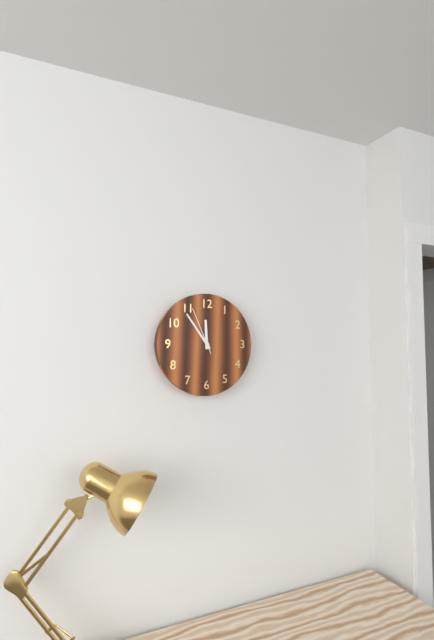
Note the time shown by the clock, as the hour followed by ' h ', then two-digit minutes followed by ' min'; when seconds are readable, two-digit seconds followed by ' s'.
11 h 54 min
